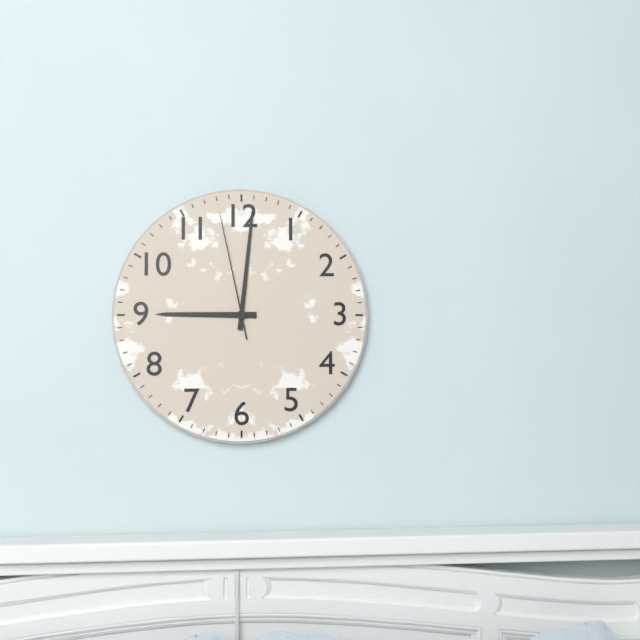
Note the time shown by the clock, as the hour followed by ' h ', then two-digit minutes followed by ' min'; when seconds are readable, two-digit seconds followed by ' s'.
9 h 01 min 58 s
